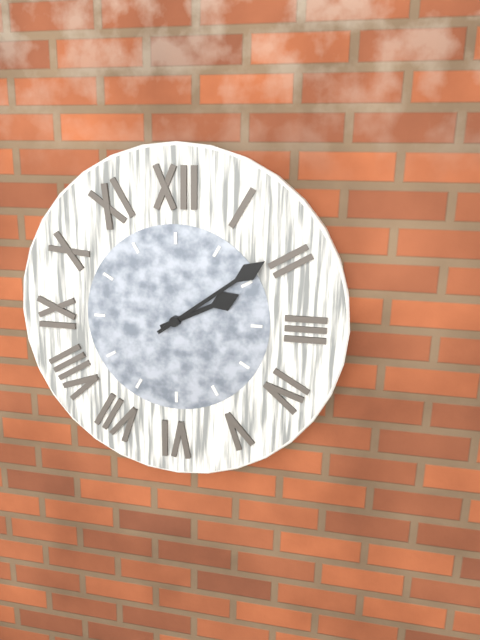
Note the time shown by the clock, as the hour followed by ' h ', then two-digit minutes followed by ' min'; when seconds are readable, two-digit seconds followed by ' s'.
2 h 09 min
